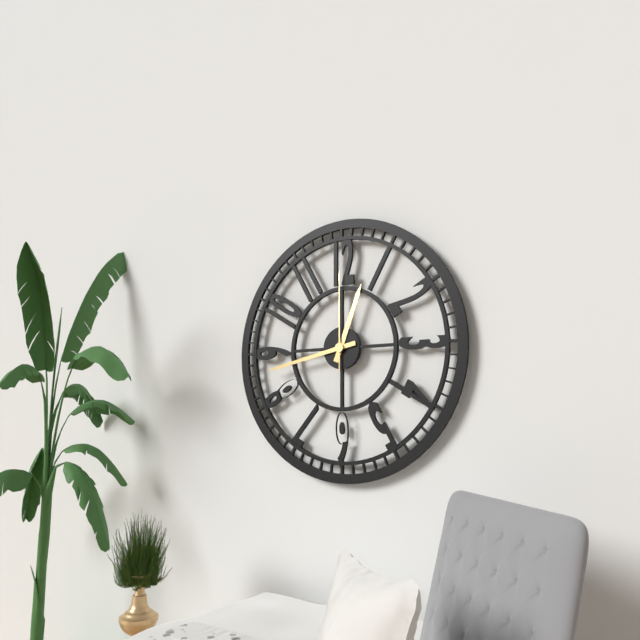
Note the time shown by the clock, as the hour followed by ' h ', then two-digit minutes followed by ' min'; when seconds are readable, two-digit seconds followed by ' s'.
12 h 43 min 00 s
